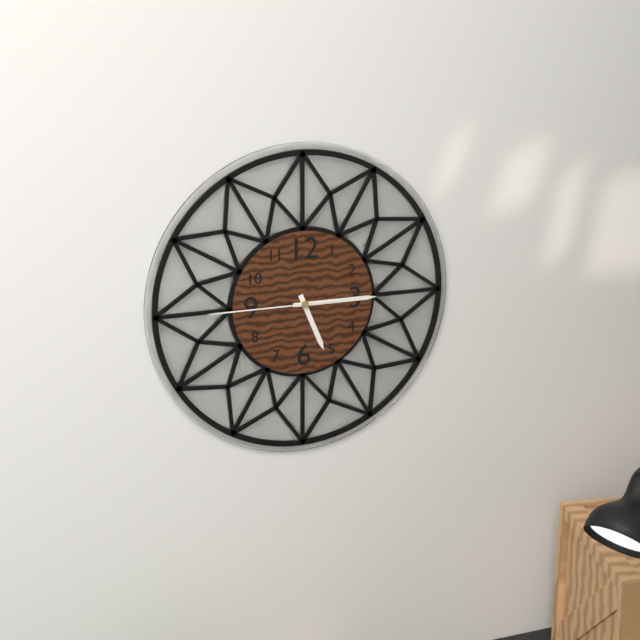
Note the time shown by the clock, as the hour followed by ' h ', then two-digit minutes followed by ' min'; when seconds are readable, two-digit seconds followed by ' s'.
5 h 15 min 45 s
